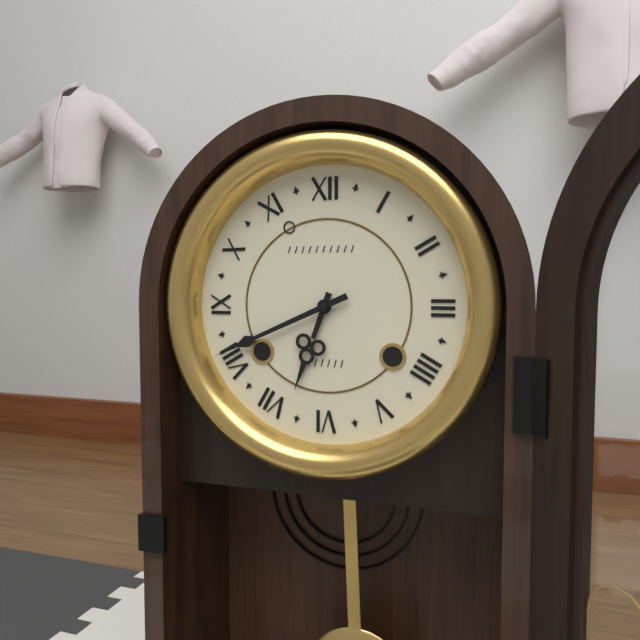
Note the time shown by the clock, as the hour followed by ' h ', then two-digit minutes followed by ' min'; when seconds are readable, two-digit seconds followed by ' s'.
6 h 41 min
